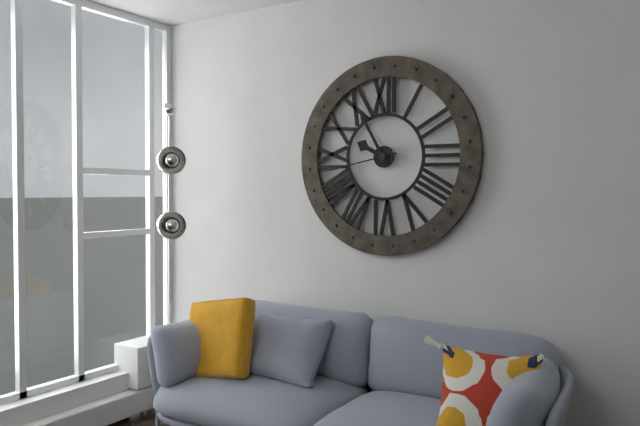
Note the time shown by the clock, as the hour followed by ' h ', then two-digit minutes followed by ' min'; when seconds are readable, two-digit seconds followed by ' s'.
9 h 55 min 43 s
